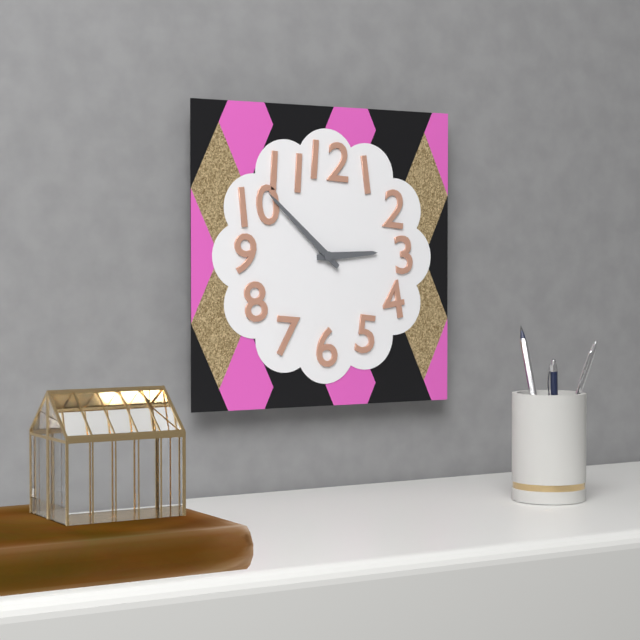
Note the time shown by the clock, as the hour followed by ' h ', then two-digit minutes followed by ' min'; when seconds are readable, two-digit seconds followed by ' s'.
2 h 52 min
